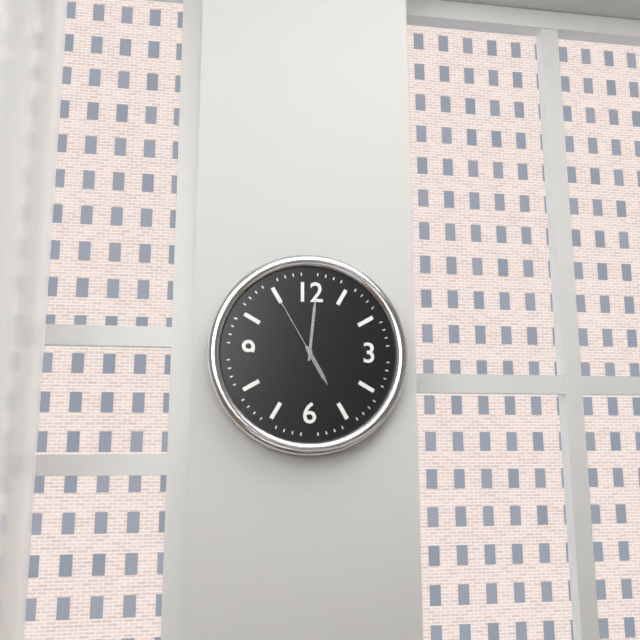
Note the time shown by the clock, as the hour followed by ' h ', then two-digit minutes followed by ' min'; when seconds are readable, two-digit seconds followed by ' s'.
5 h 01 min 55 s
